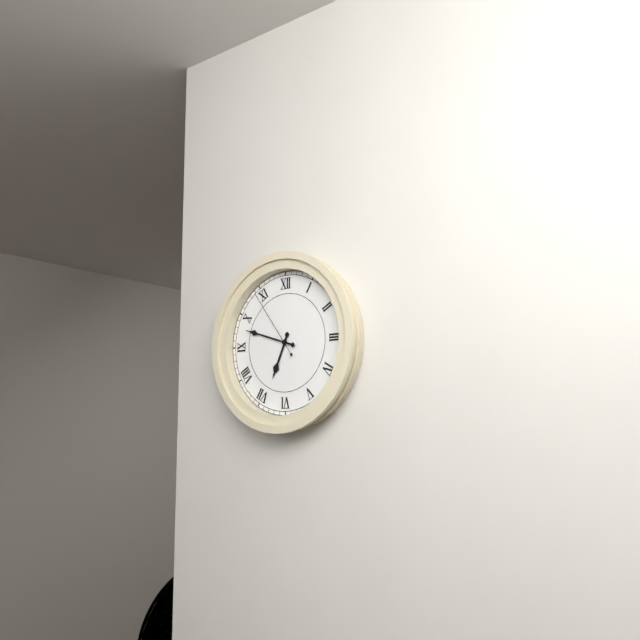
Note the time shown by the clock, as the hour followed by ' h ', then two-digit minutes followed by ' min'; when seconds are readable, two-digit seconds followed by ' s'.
6 h 48 min 54 s
